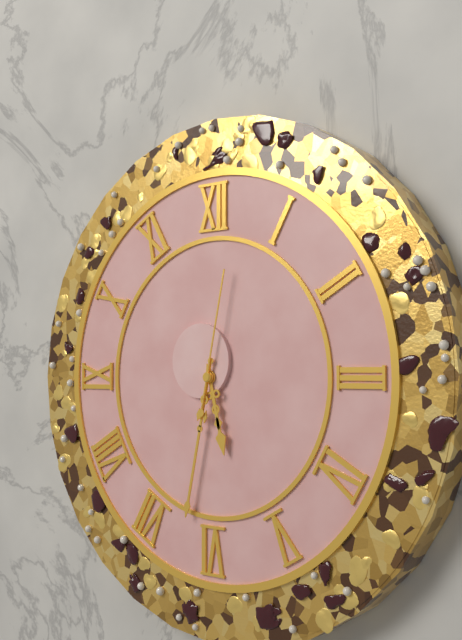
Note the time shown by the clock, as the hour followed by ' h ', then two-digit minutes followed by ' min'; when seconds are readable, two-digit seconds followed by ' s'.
5 h 32 min 02 s
